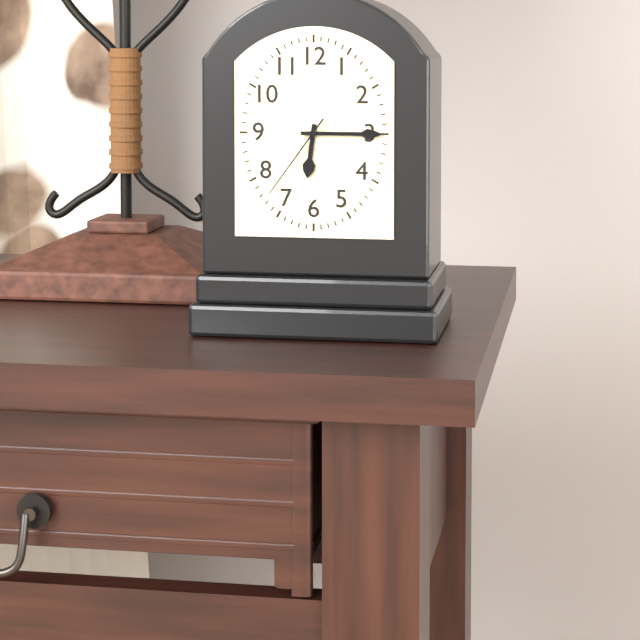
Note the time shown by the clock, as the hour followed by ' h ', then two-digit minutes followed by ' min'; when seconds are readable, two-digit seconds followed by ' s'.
6 h 15 min 36 s
